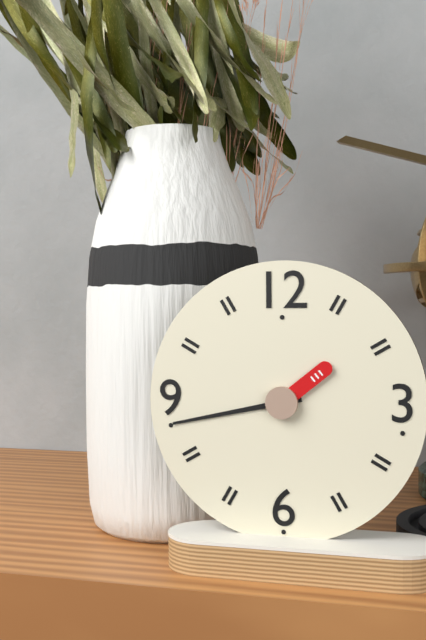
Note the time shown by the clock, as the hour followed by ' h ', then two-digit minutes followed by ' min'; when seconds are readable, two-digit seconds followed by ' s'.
1 h 43 min
